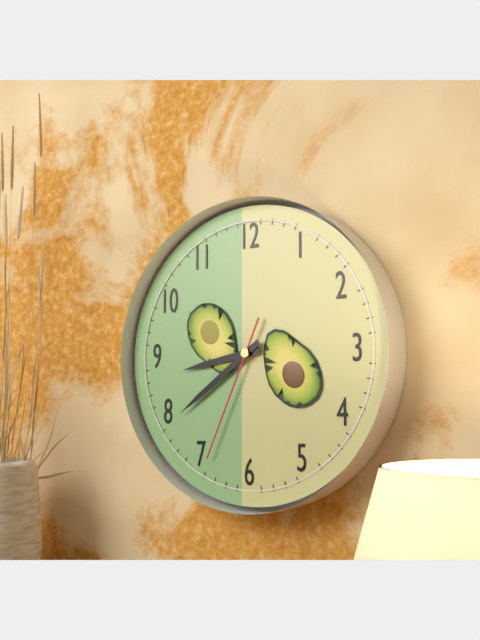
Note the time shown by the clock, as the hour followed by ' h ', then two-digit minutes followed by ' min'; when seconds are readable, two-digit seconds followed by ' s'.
8 h 39 min 34 s
